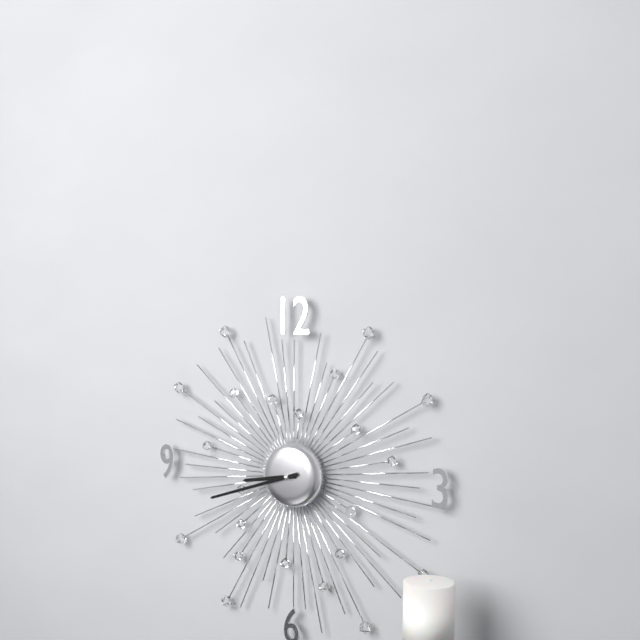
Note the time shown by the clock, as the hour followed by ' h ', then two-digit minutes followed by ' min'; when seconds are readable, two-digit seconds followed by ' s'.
8 h 42 min
